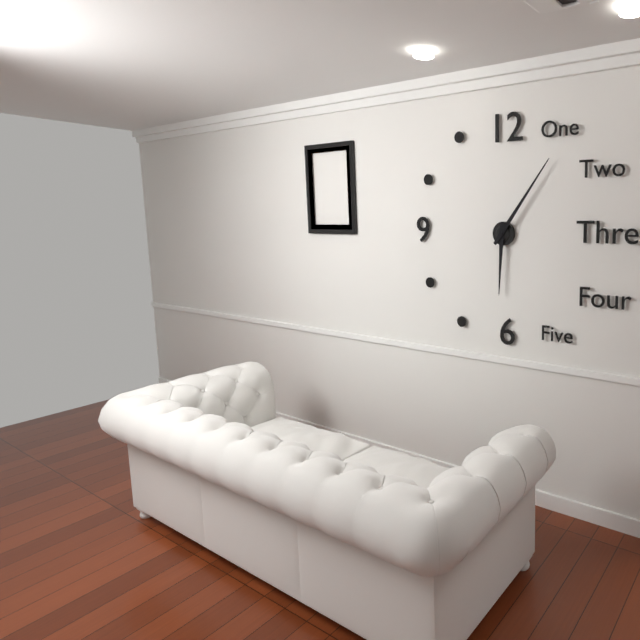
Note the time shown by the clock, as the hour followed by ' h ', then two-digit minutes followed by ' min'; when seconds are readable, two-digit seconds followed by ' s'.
6 h 06 min
